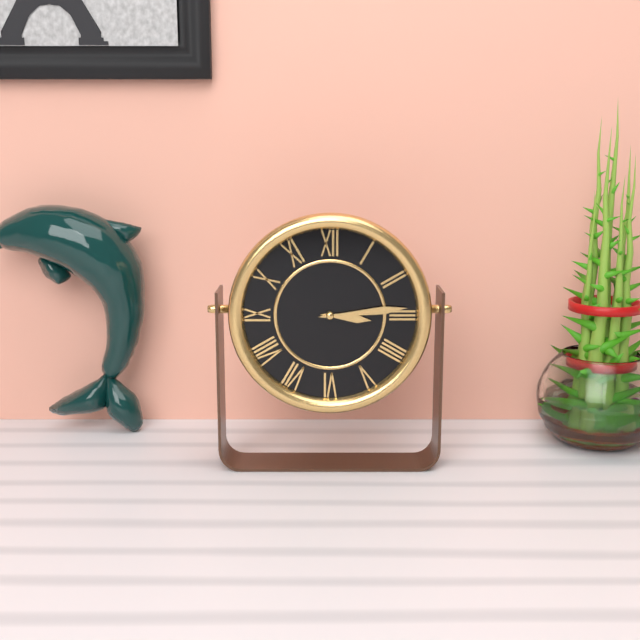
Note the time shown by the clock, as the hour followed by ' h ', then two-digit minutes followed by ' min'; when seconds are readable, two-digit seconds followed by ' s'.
3 h 14 min
